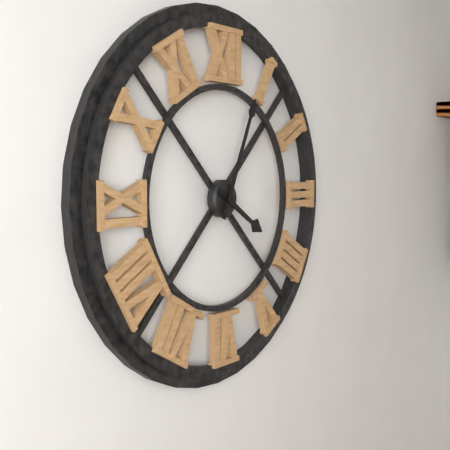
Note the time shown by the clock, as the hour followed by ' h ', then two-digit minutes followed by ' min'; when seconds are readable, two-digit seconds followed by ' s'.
4 h 04 min
